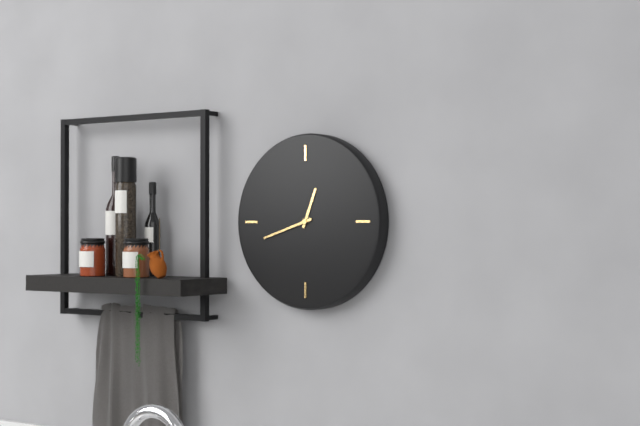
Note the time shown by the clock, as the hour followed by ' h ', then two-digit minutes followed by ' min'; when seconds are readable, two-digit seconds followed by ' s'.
12 h 42 min
